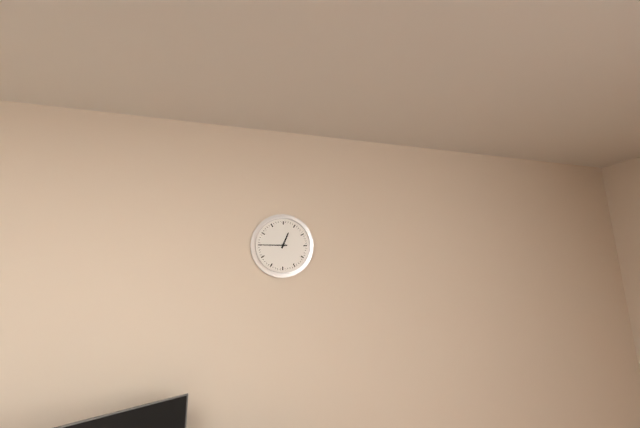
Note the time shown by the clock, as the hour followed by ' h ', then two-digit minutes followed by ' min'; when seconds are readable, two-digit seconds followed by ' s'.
12 h 45 min
